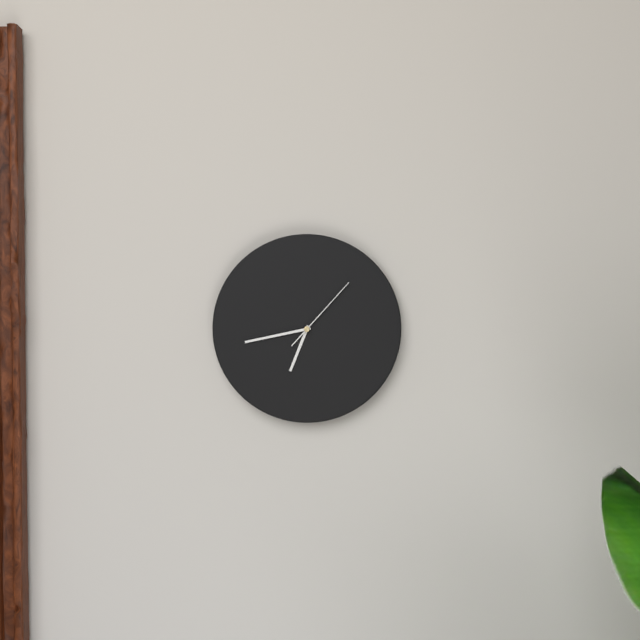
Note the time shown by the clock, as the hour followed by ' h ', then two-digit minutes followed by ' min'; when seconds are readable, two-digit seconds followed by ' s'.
6 h 43 min 07 s
